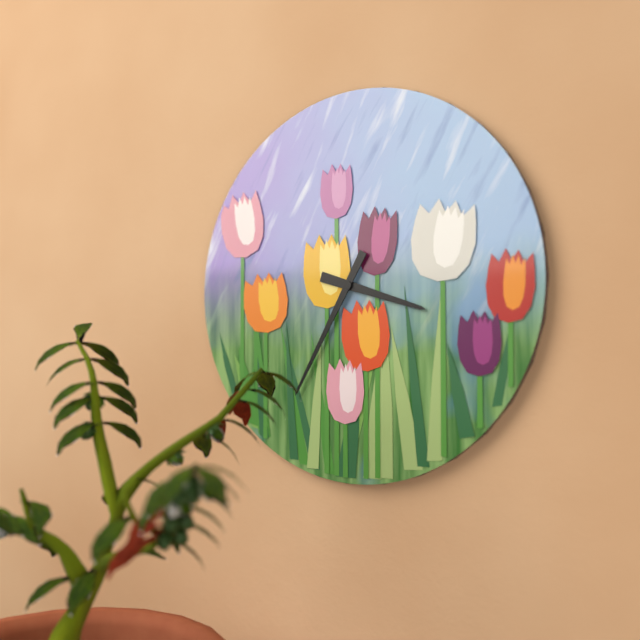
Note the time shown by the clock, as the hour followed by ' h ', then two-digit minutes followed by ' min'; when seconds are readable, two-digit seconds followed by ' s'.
3 h 35 min
